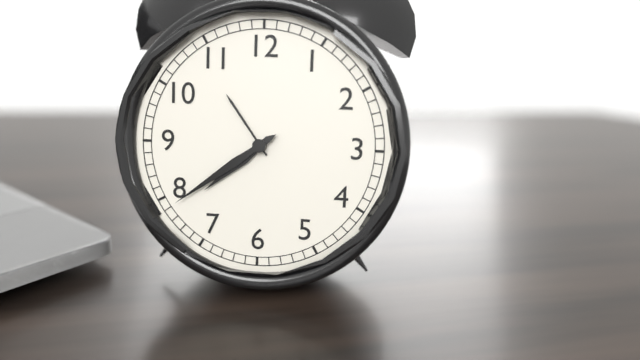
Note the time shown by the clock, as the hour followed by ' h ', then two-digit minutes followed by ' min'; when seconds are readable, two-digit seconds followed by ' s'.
7 h 39 min
